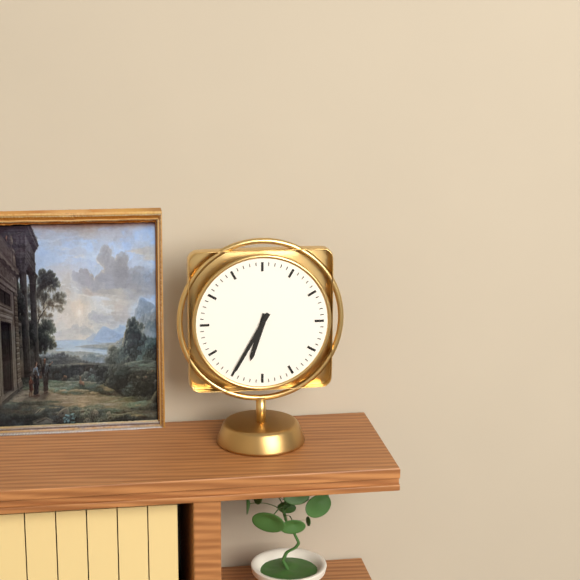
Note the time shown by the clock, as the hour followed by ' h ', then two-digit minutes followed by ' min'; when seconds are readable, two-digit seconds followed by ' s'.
6 h 35 min
